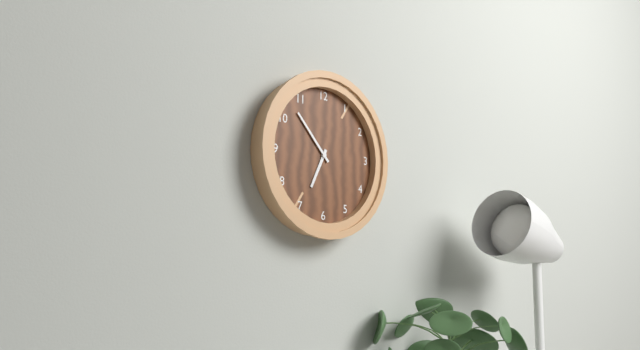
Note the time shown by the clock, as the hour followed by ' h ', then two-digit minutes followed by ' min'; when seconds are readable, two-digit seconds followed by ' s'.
6 h 53 min
